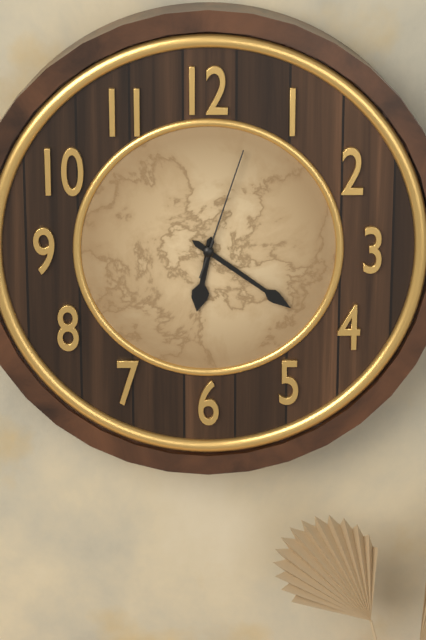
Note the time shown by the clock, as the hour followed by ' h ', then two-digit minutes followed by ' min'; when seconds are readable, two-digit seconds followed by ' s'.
6 h 21 min 03 s
